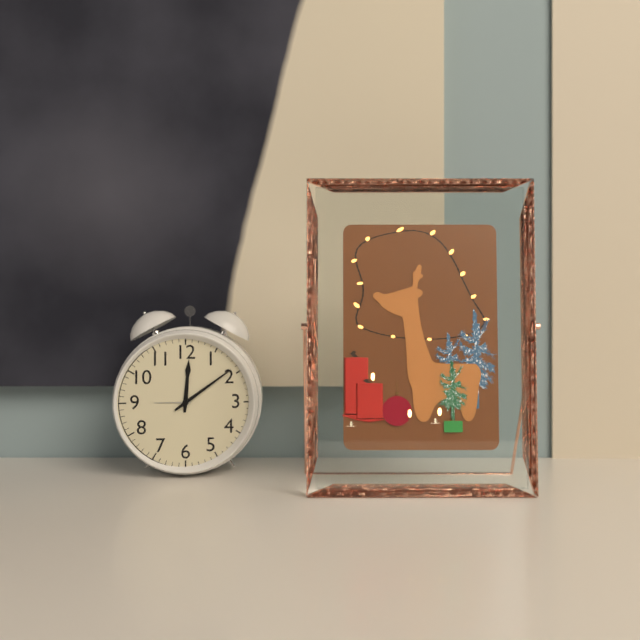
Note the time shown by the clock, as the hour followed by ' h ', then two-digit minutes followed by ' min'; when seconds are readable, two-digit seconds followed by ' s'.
12 h 09 min
